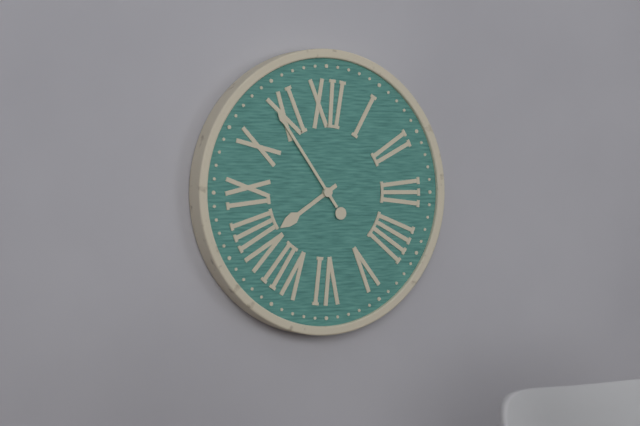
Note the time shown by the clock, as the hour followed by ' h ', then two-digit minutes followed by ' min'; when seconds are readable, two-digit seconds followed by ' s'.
7 h 54 min
